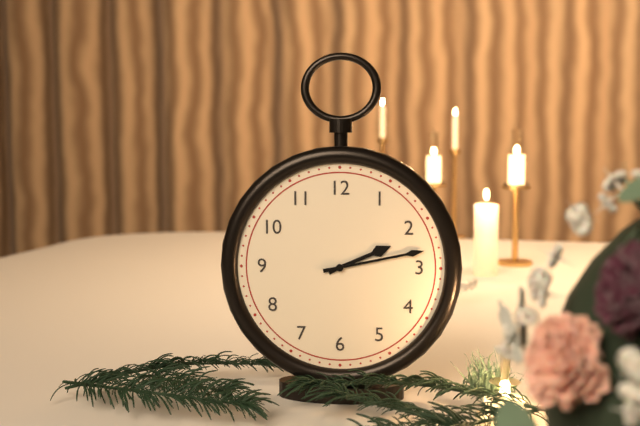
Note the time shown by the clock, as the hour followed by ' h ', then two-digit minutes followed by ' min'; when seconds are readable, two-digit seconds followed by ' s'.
2 h 13 min
